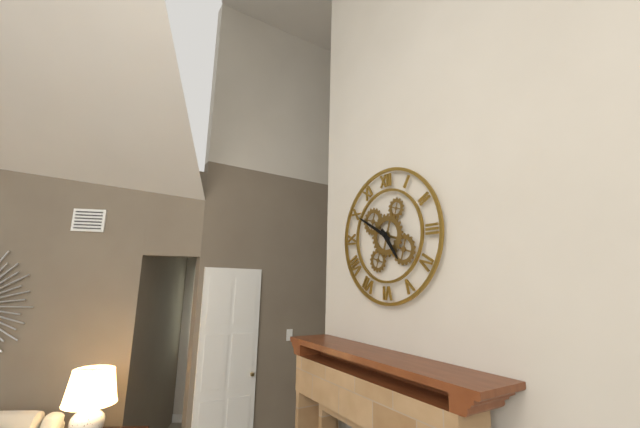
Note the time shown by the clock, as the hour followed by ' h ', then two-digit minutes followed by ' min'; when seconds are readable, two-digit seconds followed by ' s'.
4 h 50 min
